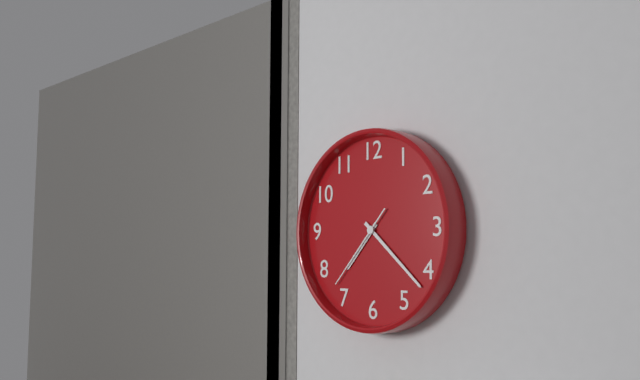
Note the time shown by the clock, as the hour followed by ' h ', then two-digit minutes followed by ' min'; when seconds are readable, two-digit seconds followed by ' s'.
7 h 22 min 37 s
